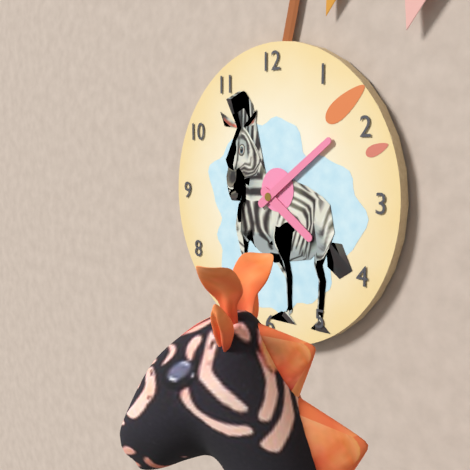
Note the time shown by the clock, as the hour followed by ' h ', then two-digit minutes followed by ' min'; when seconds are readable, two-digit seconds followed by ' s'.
4 h 09 min
